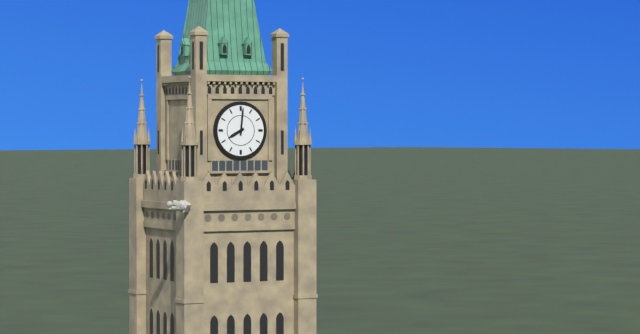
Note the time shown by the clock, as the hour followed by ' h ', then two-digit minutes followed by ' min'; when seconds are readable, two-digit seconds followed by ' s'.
8 h 01 min
